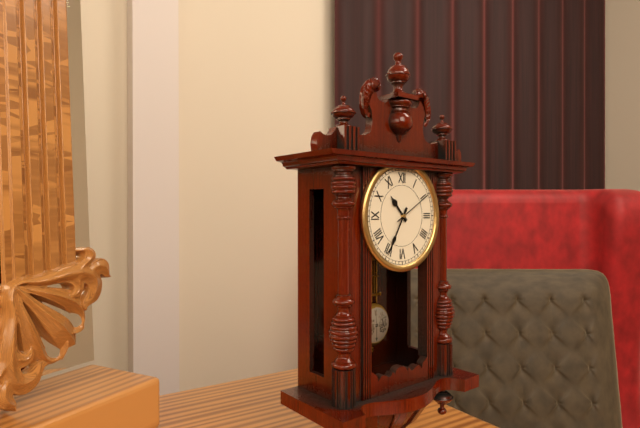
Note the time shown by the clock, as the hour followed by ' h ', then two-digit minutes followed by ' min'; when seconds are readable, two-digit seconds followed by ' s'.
10 h 35 min
